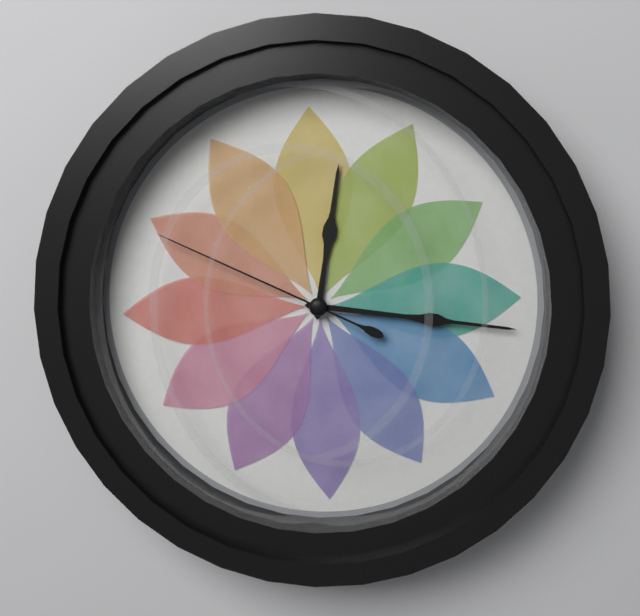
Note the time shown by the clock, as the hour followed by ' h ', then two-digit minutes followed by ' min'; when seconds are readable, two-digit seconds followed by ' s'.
12 h 16 min 49 s
